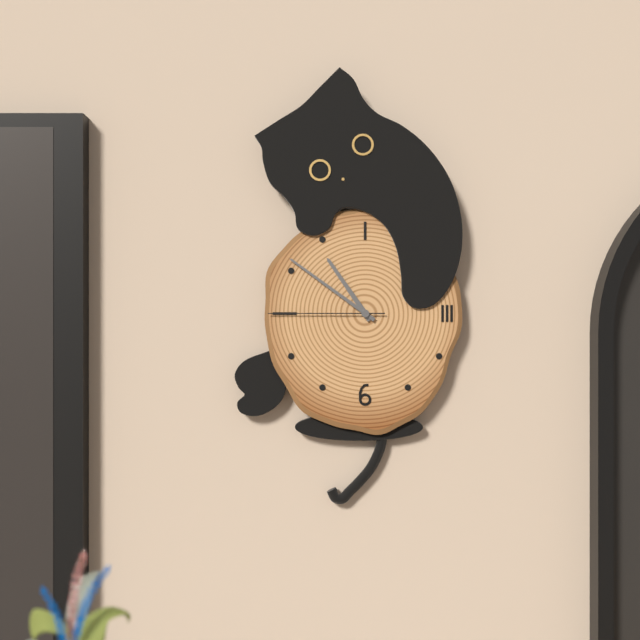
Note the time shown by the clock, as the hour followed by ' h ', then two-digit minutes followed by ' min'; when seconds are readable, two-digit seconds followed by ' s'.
10 h 51 min 45 s
